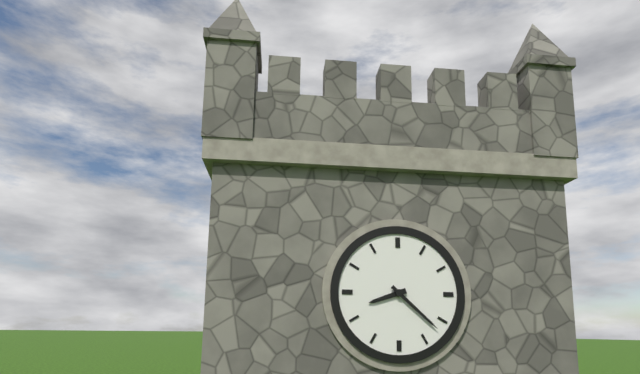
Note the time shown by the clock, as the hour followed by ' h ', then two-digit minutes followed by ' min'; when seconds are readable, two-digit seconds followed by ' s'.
8 h 22 min
